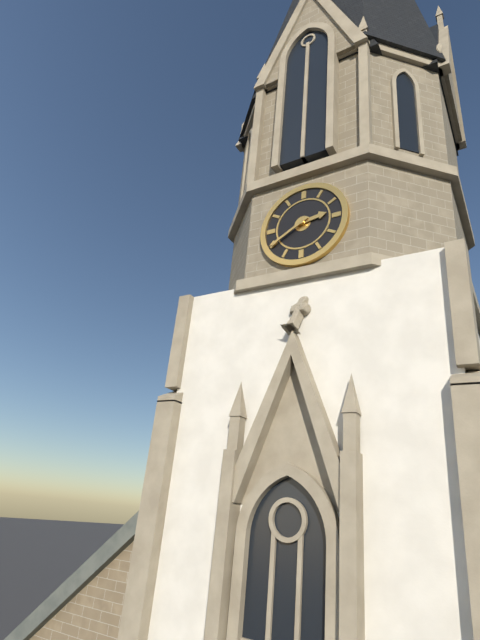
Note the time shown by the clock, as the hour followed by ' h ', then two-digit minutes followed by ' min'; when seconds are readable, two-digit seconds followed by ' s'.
2 h 40 min
